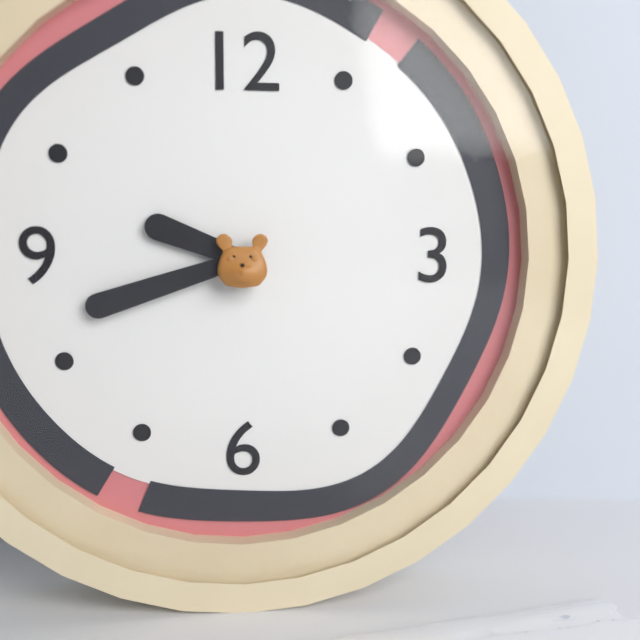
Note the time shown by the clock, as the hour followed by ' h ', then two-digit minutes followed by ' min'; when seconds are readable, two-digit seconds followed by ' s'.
9 h 42 min
